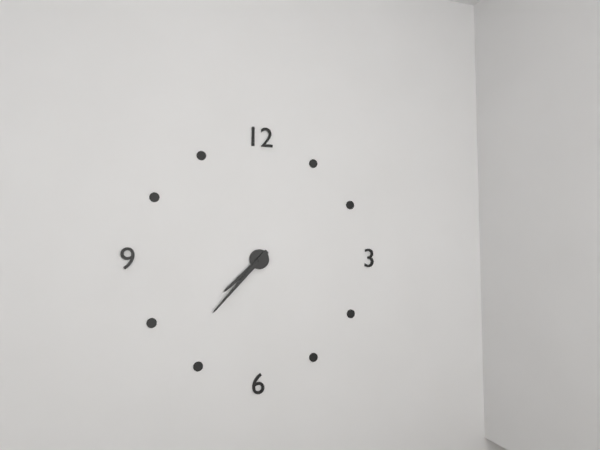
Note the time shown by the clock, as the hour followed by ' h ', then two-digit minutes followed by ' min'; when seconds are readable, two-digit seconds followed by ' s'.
7 h 37 min
